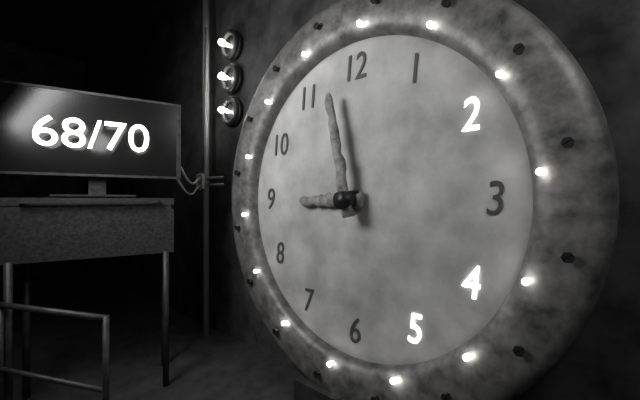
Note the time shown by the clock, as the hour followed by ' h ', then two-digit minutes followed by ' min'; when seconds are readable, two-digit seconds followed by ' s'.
8 h 58 min
